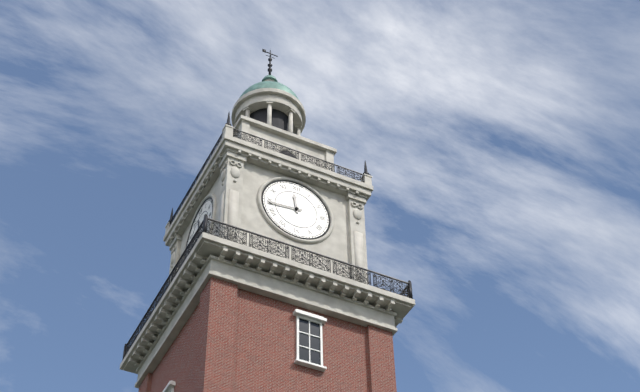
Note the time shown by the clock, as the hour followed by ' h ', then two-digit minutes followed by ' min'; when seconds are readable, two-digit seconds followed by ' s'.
11 h 44 min
